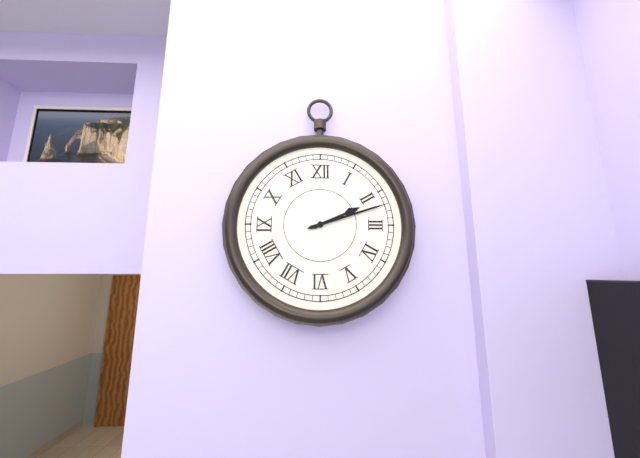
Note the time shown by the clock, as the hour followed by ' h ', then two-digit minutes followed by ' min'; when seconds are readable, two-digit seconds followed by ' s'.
2 h 12 min
